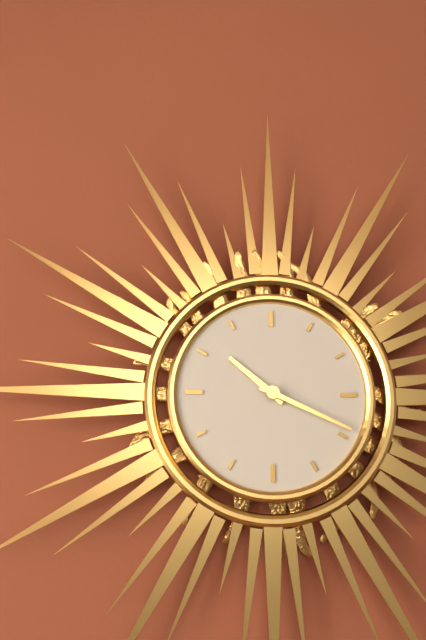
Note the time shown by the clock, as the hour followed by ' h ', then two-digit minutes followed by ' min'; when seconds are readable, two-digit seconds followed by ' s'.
10 h 19 min
